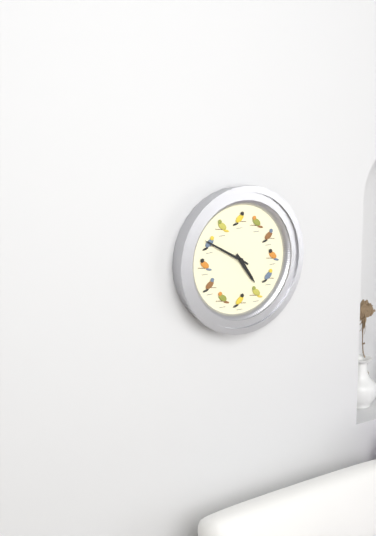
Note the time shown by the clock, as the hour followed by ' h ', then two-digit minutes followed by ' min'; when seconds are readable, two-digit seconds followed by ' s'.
4 h 50 min
